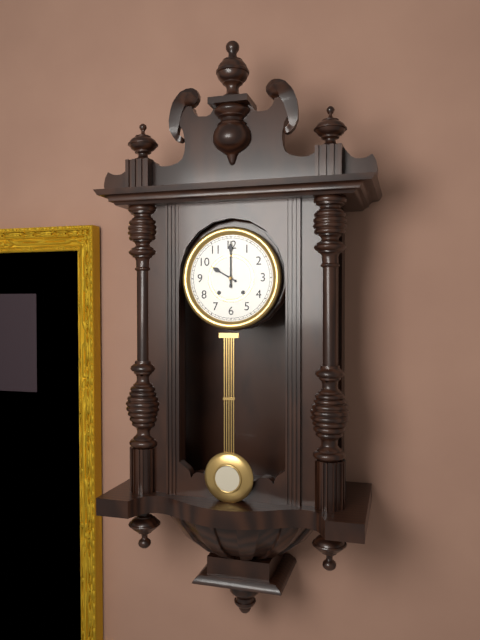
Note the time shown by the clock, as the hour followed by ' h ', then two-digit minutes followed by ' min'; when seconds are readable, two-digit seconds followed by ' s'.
10 h 00 min
